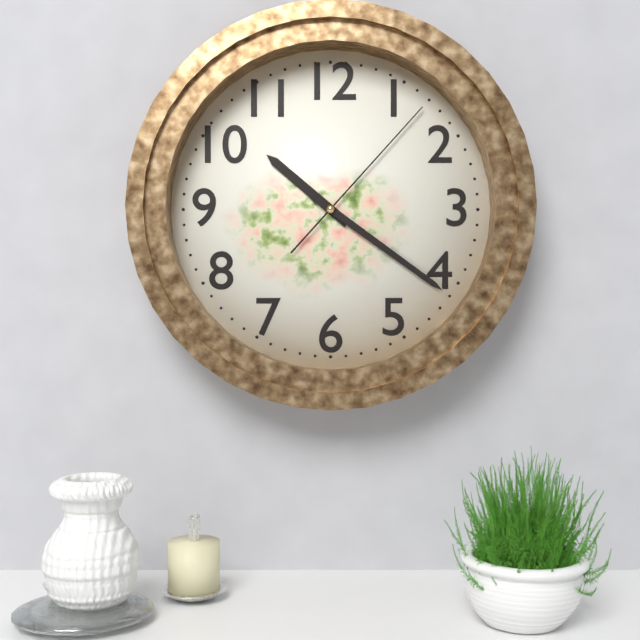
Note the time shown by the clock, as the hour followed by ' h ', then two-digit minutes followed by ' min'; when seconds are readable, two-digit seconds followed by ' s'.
10 h 21 min 07 s
